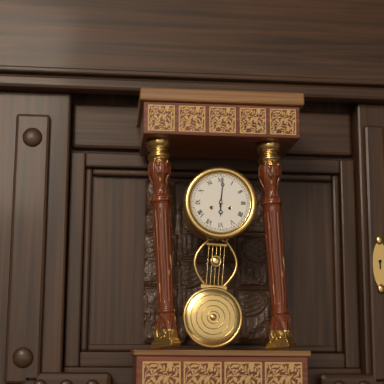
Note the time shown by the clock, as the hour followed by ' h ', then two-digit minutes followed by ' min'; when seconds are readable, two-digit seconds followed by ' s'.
6 h 01 min
